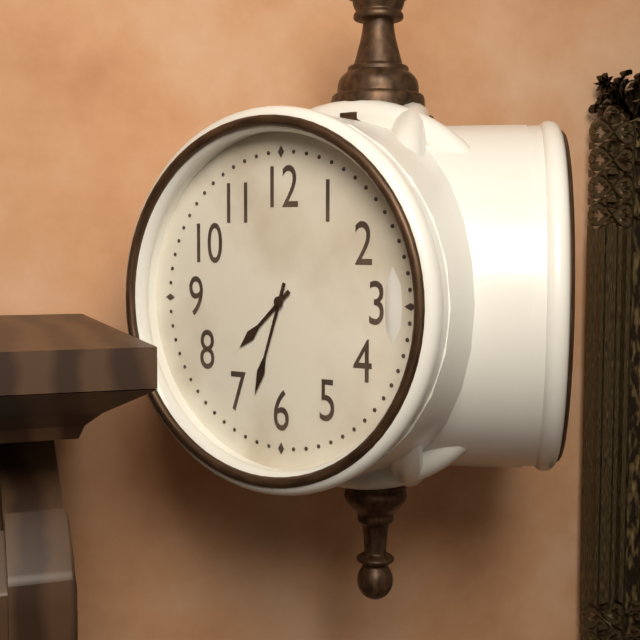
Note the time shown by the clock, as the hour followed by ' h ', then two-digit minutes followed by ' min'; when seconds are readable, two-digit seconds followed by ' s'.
7 h 33 min
